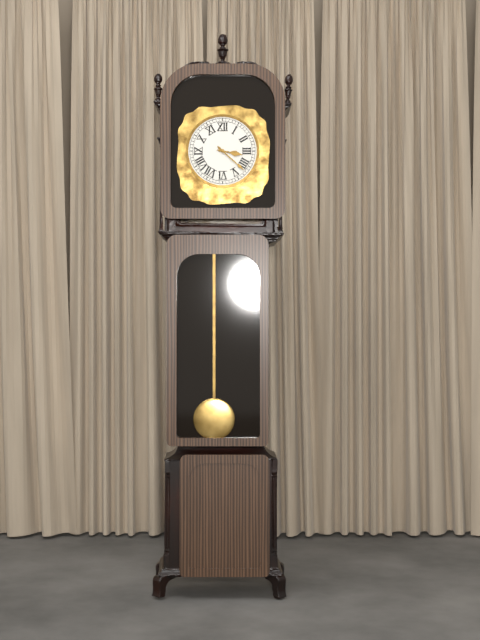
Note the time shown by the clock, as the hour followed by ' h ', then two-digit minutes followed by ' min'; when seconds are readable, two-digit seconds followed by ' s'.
3 h 22 min
